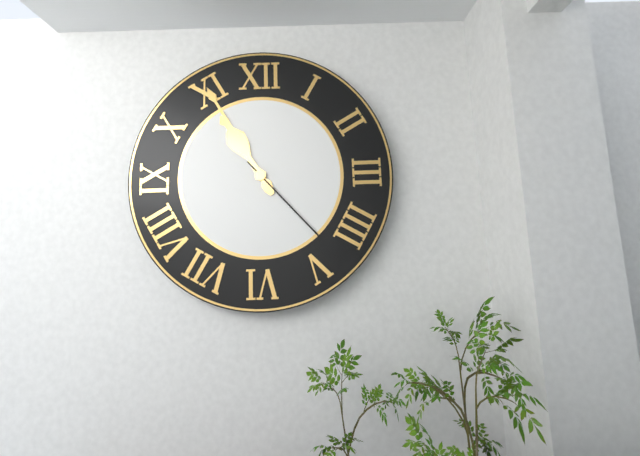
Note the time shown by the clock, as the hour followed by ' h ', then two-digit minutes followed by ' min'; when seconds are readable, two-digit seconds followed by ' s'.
10 h 55 min 23 s
